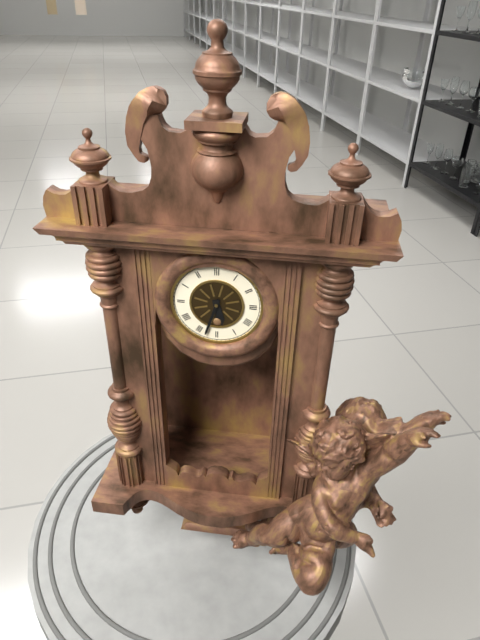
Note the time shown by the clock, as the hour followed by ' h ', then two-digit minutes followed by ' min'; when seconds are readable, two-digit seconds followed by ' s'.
5 h 33 min
